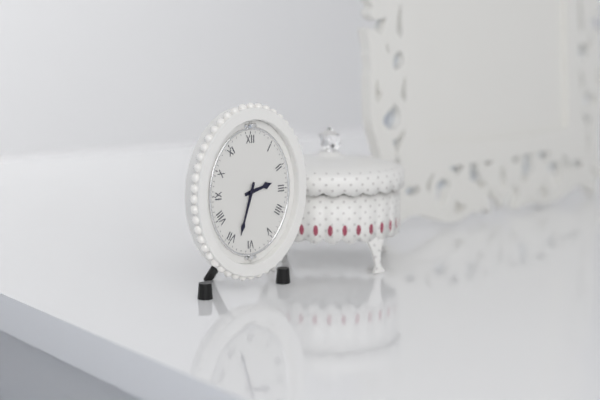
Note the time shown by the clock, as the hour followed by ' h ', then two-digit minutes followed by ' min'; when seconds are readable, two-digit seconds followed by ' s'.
2 h 33 min
